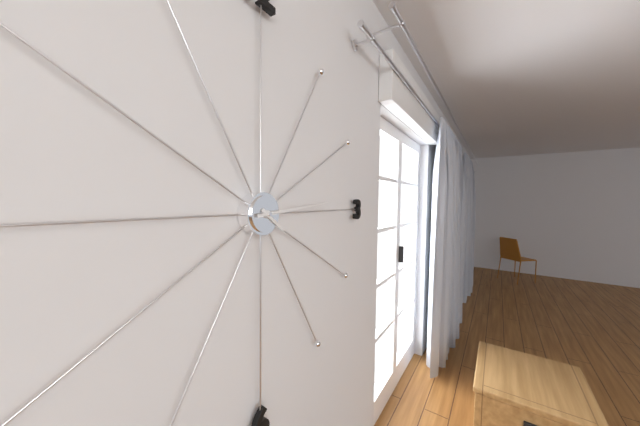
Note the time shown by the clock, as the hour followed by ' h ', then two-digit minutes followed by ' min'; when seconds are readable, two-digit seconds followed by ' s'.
4 h 14 min
